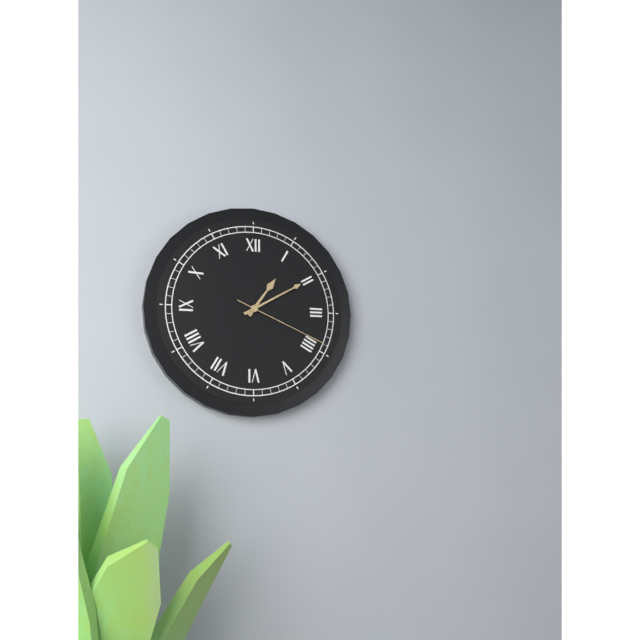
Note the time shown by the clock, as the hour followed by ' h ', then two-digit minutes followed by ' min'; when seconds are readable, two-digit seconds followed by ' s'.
1 h 10 min 19 s
